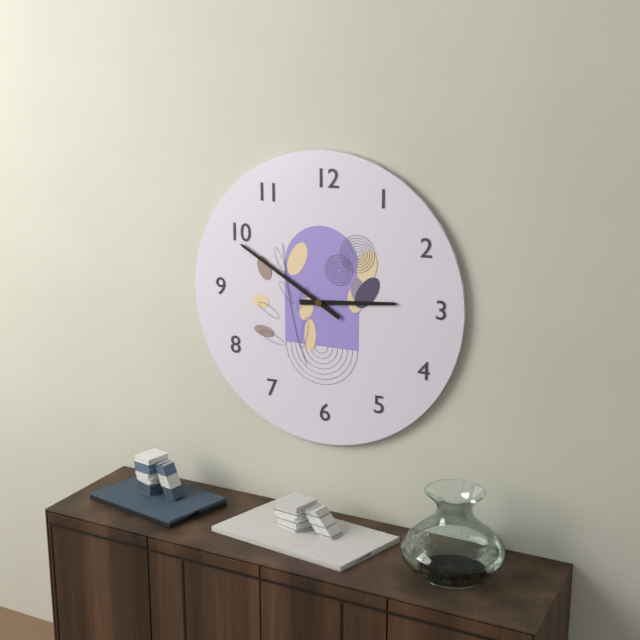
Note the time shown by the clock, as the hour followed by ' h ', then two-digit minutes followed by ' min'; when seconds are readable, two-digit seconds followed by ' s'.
2 h 50 min
